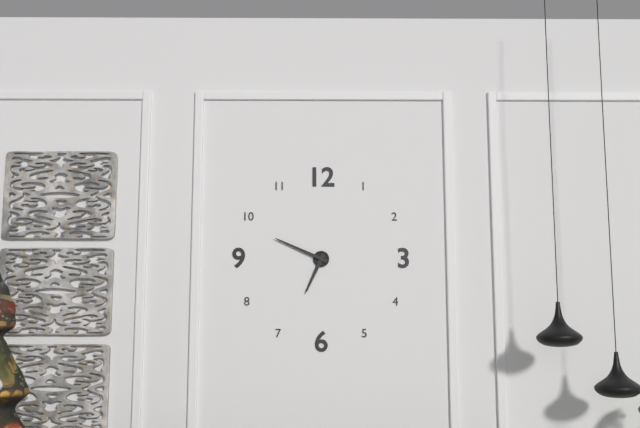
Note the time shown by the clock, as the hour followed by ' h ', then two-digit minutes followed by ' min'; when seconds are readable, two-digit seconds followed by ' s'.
6 h 49 min
